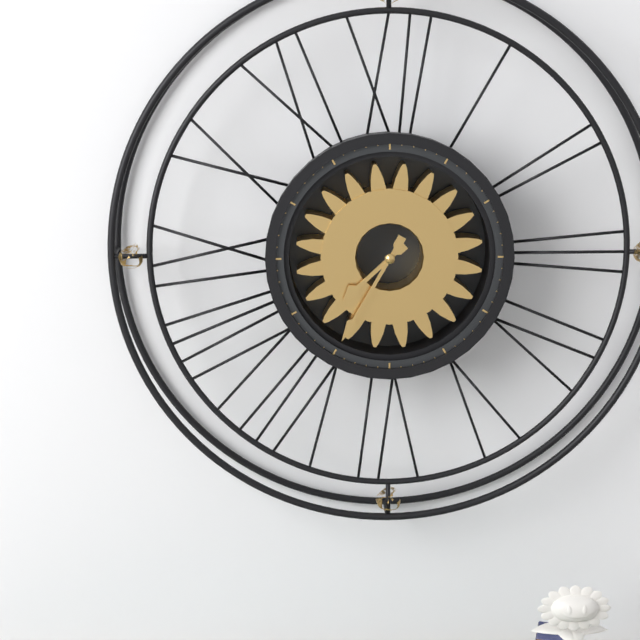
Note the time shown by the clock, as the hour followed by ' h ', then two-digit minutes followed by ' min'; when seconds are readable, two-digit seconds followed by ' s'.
7 h 35 min
